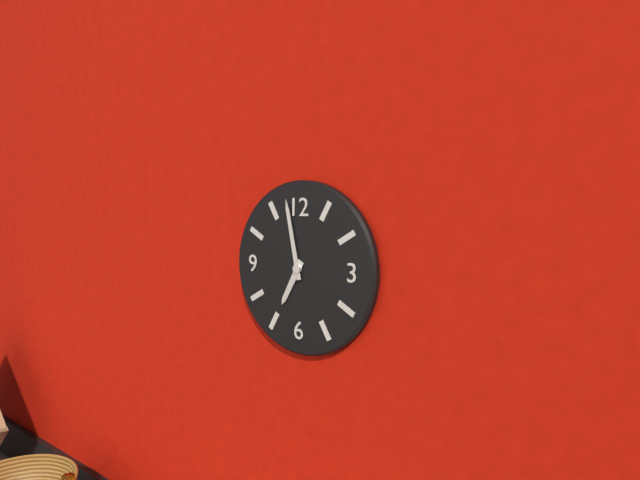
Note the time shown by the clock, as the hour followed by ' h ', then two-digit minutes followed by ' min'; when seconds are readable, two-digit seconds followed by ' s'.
6 h 58 min
